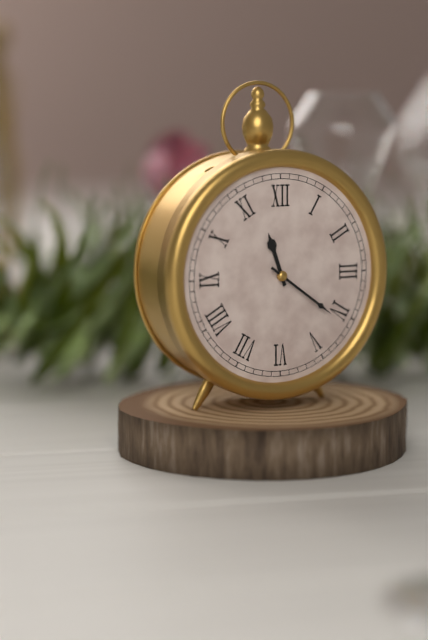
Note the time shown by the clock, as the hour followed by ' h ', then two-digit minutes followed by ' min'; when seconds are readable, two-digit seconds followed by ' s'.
11 h 21 min
